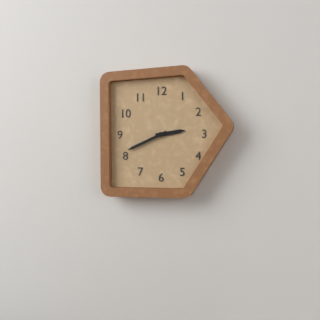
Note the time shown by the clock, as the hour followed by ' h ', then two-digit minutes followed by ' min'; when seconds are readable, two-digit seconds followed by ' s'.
2 h 41 min
